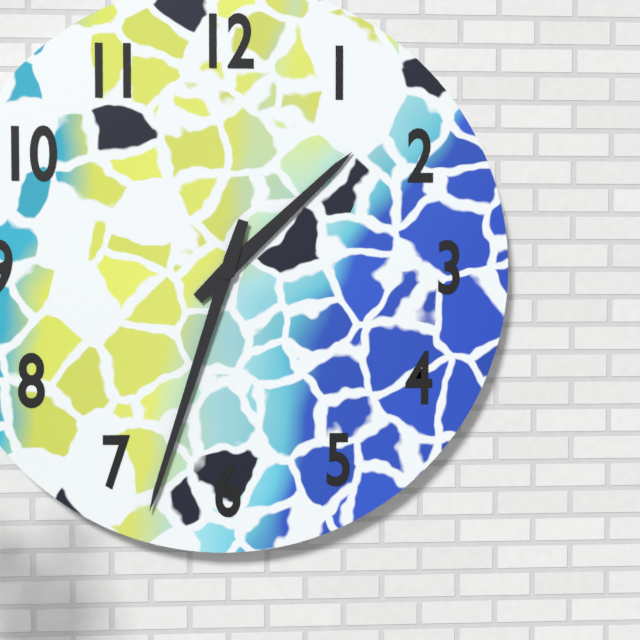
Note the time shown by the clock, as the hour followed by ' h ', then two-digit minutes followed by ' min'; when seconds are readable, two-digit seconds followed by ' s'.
1 h 33 min
